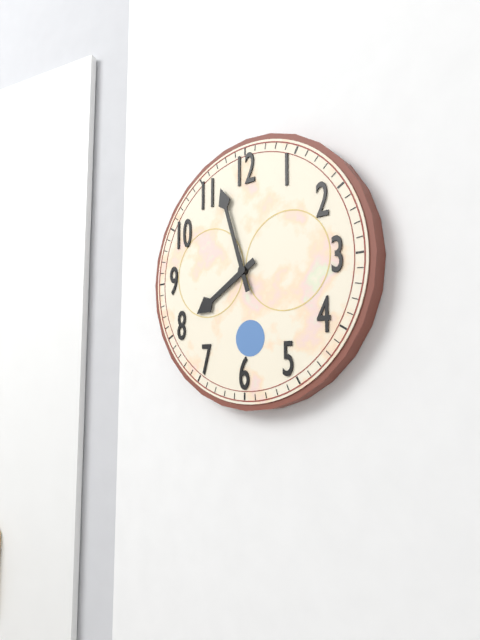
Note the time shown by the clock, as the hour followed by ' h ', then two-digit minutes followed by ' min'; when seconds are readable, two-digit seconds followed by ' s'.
7 h 57 min
